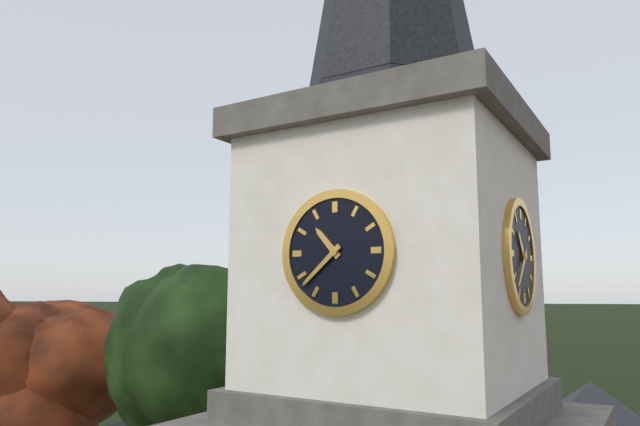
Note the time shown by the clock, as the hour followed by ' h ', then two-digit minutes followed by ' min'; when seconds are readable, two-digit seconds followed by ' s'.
10 h 38 min
